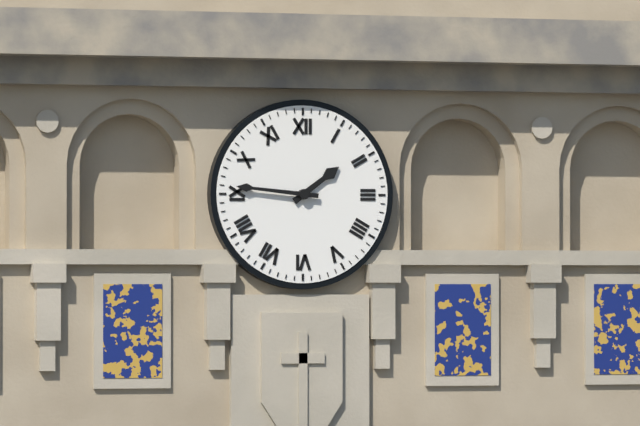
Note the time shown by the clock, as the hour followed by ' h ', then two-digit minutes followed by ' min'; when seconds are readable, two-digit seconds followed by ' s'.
1 h 46 min
